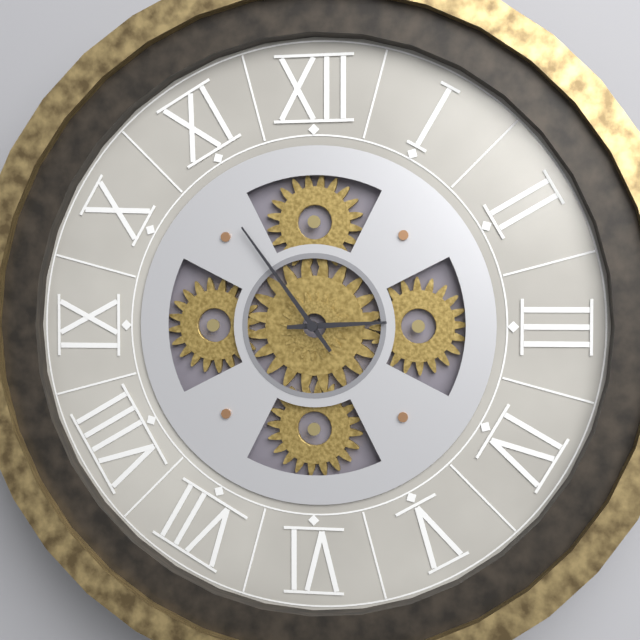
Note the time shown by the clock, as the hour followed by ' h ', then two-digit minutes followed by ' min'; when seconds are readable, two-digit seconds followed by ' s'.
2 h 54 min
